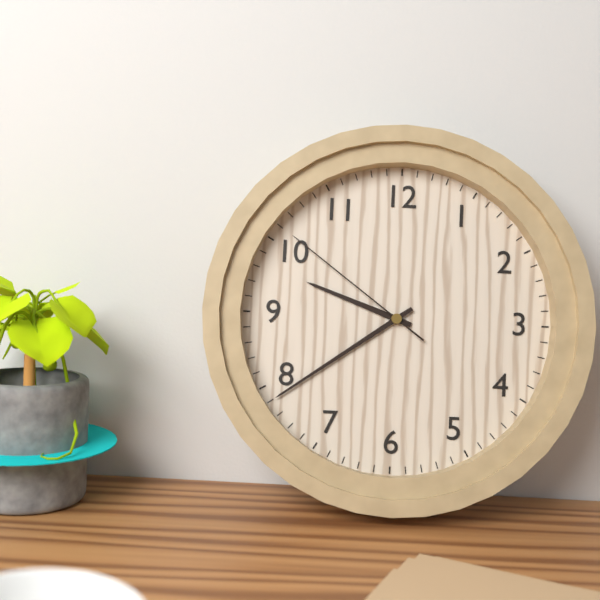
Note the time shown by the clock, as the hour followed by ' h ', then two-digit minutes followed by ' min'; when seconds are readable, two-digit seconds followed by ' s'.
9 h 39 min 51 s
